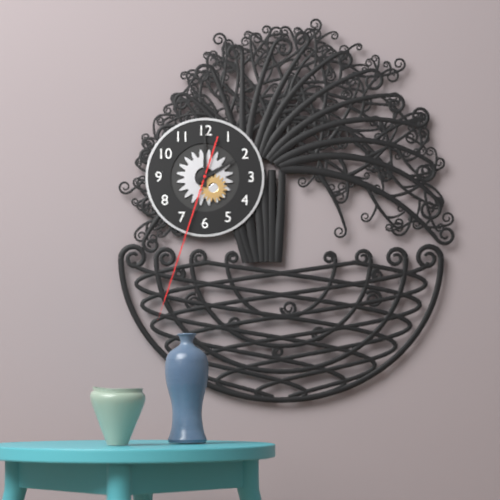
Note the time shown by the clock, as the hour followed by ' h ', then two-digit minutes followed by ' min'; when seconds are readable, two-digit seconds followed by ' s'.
2 h 00 min 33 s
